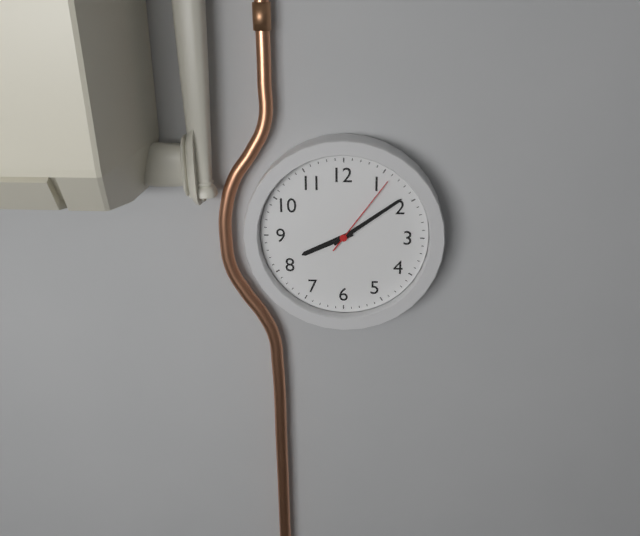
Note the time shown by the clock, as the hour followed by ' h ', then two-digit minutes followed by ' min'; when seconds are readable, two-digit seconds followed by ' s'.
8 h 09 min 06 s
